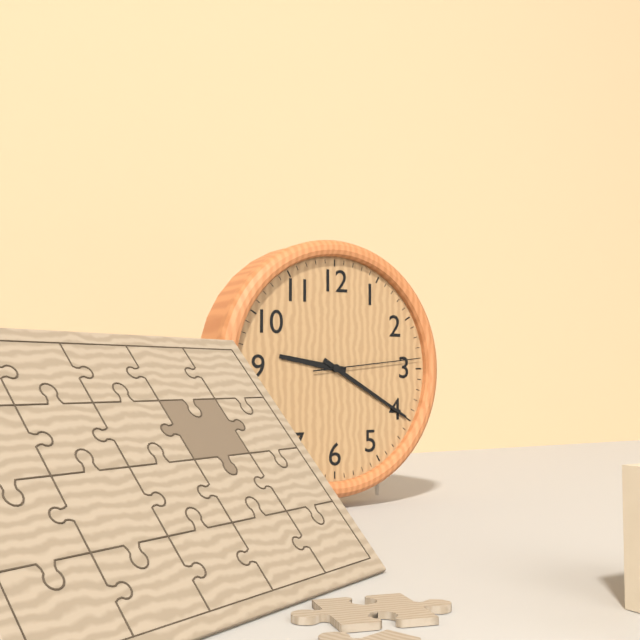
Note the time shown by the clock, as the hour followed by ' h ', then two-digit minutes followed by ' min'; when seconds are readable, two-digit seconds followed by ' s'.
9 h 20 min 14 s
